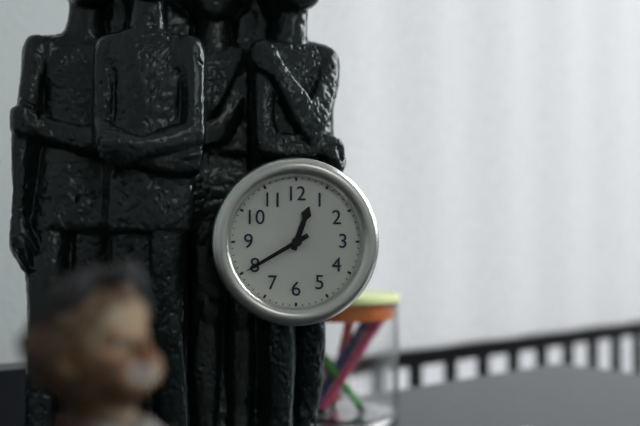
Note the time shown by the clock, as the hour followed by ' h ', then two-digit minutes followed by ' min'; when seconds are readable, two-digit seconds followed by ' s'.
12 h 40 min
